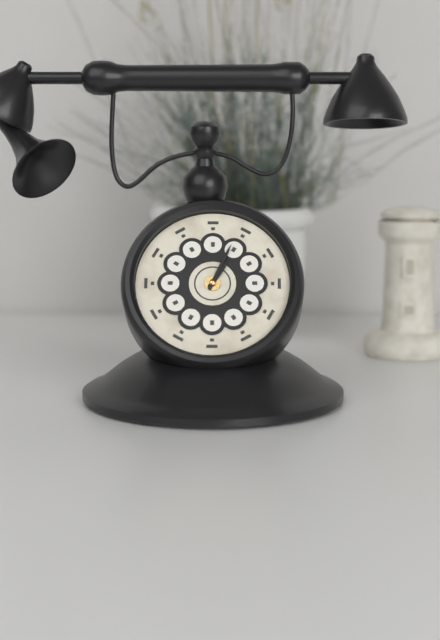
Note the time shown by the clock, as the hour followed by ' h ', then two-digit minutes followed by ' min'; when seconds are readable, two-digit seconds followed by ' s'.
1 h 04 min
